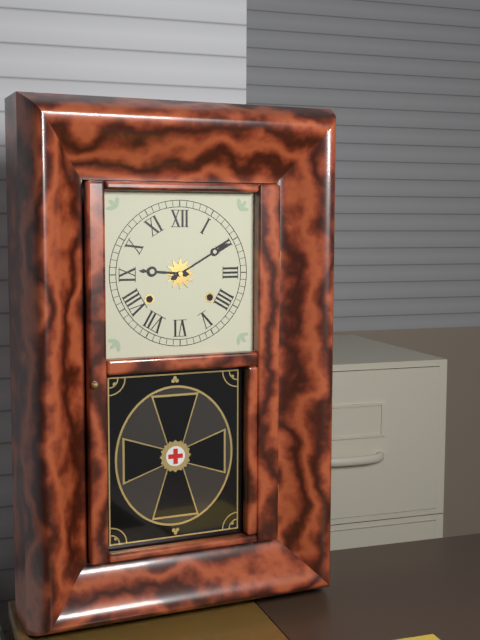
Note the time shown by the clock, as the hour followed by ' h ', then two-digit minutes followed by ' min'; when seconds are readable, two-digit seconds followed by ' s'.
9 h 10 min
